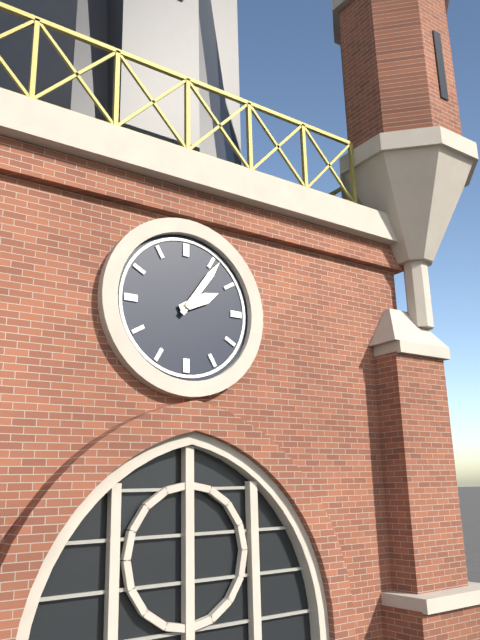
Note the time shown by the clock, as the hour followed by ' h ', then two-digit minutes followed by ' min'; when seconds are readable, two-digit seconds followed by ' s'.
2 h 06 min
